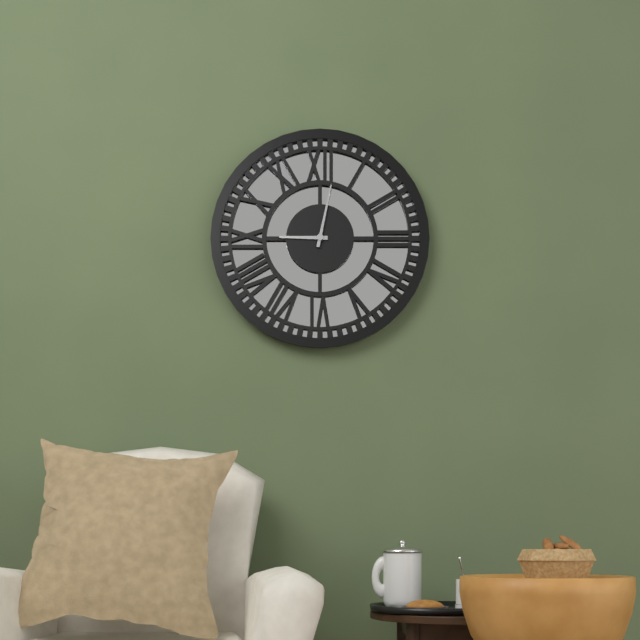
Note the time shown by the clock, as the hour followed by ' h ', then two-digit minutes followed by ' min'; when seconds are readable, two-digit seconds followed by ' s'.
9 h 02 min
